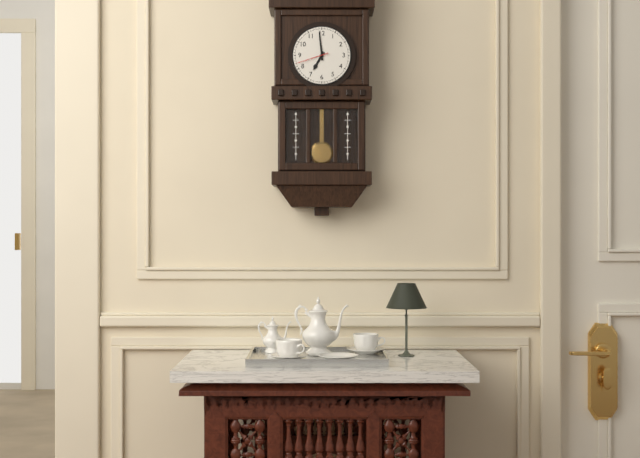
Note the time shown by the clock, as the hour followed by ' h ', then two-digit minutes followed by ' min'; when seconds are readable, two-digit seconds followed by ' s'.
6 h 59 min
